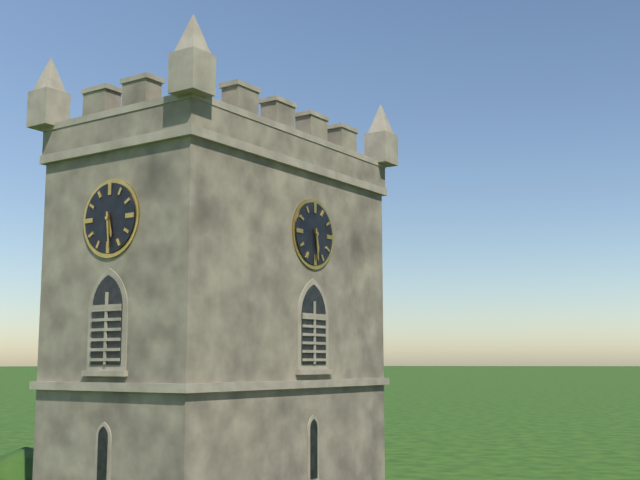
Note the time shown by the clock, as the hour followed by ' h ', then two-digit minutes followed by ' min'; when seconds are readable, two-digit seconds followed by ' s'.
5 h 29 min
